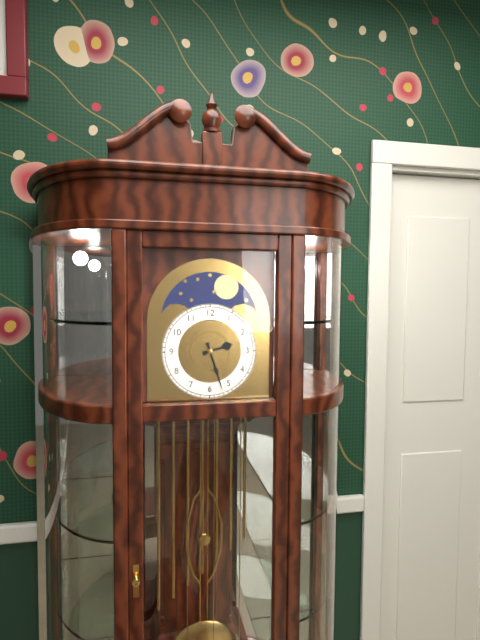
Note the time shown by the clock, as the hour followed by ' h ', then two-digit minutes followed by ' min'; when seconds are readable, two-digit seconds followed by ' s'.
2 h 27 min
